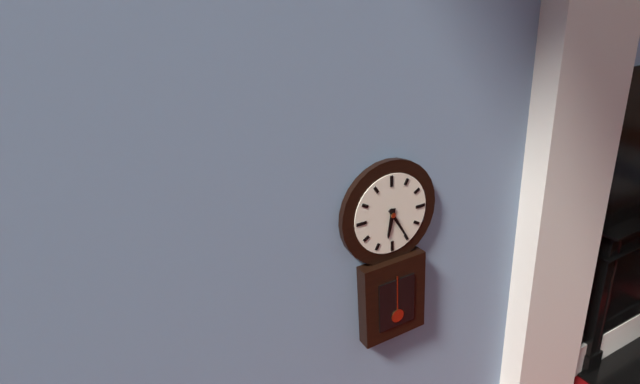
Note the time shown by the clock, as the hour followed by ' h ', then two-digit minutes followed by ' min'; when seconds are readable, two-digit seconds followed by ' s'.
6 h 25 min
